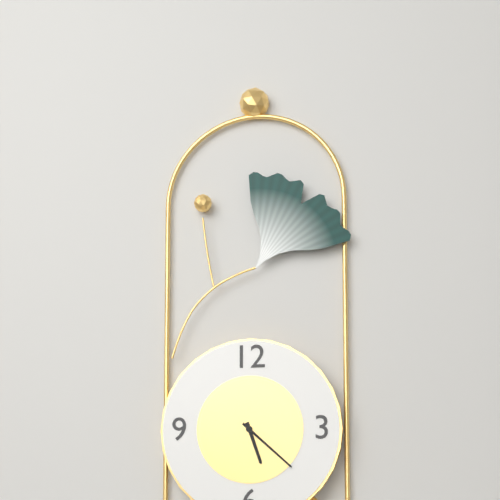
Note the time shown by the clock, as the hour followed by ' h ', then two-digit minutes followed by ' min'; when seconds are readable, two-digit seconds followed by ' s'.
5 h 22 min
